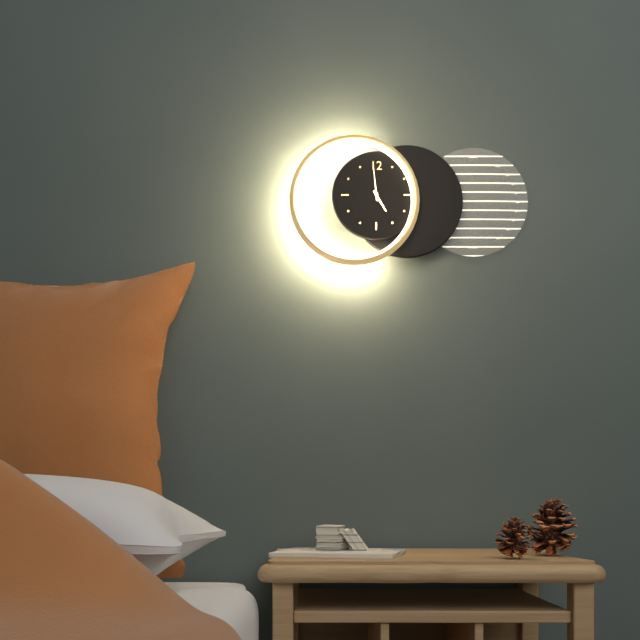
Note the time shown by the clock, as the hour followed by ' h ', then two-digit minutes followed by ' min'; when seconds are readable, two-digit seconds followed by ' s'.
4 h 59 min
